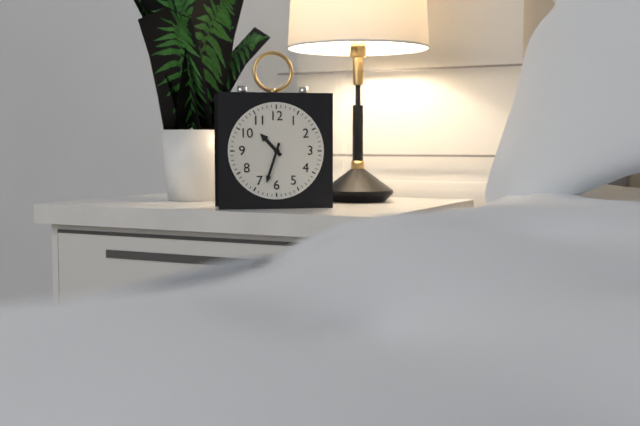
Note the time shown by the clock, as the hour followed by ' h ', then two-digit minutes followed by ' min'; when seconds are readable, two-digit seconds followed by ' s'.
10 h 33 min
